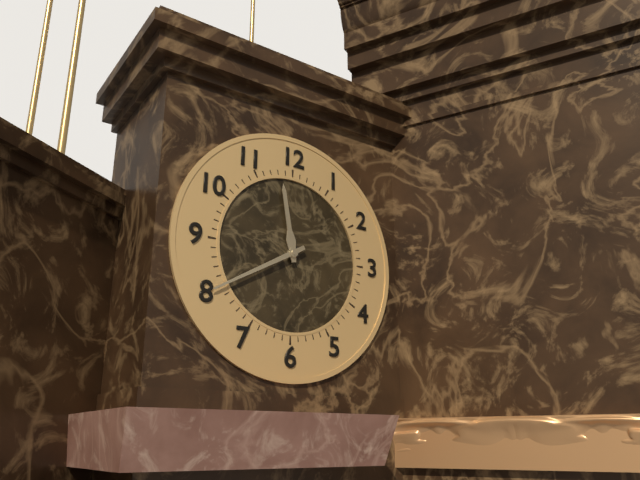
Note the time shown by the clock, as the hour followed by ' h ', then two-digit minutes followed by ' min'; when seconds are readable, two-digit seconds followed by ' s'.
11 h 40 min
